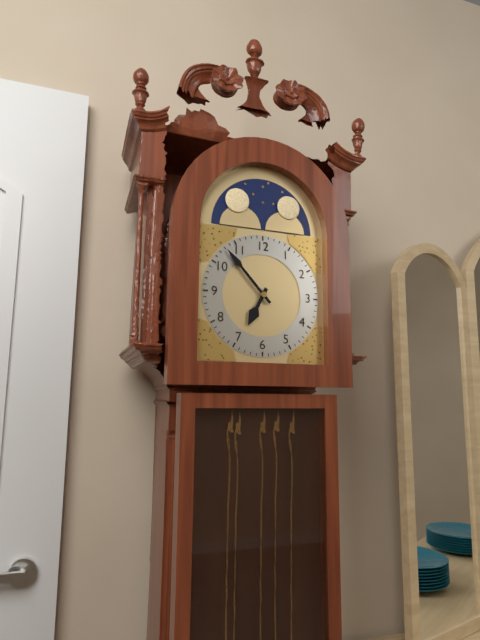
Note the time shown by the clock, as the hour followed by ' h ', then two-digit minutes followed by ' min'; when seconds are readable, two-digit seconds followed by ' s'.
6 h 53 min
